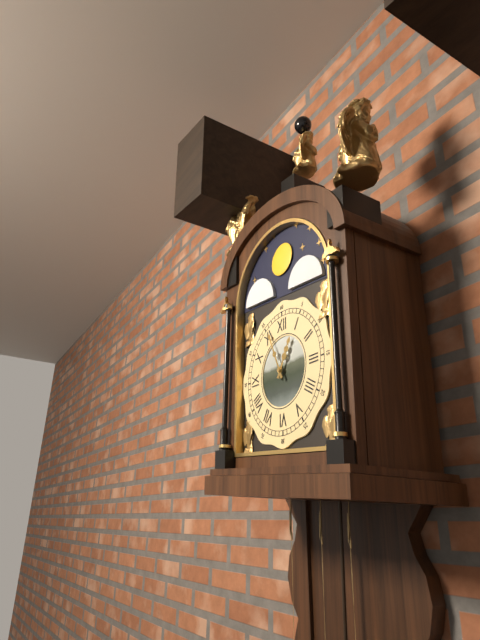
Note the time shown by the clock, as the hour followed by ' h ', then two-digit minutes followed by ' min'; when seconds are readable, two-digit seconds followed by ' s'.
12 h 56 min
